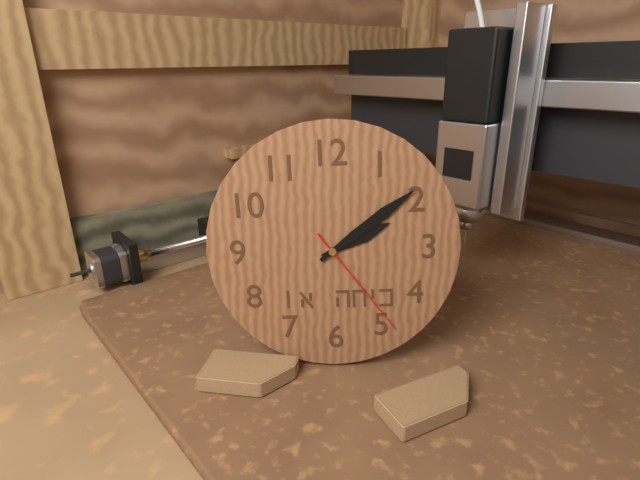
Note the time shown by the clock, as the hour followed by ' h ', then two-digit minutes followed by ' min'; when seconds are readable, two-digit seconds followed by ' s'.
2 h 09 min 24 s
